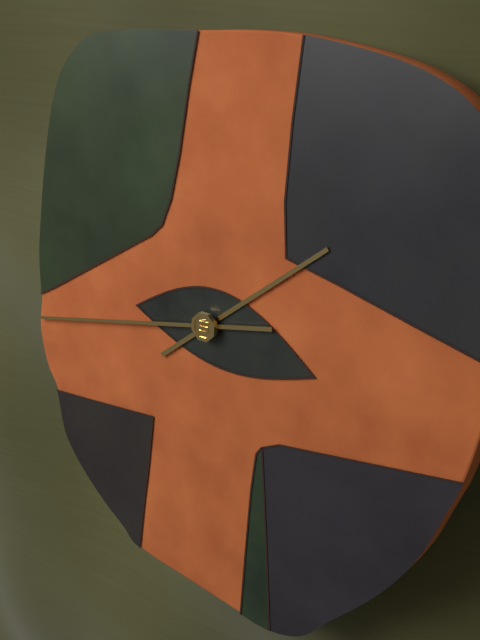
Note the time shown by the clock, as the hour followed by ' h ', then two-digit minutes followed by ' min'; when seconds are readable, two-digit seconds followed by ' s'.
1 h 43 min
